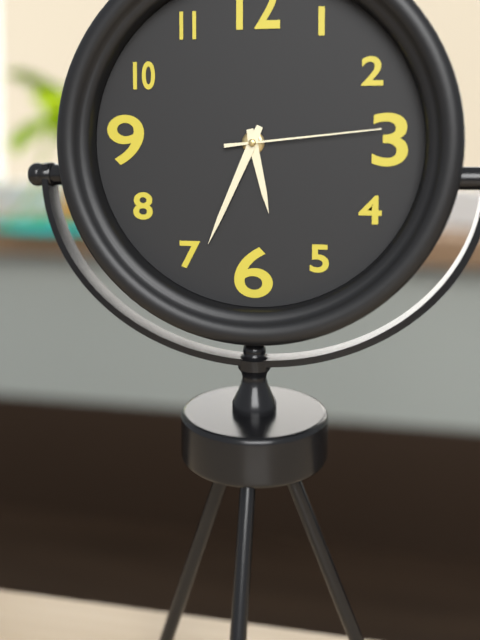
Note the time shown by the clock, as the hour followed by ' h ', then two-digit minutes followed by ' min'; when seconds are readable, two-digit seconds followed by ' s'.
5 h 34 min 14 s
